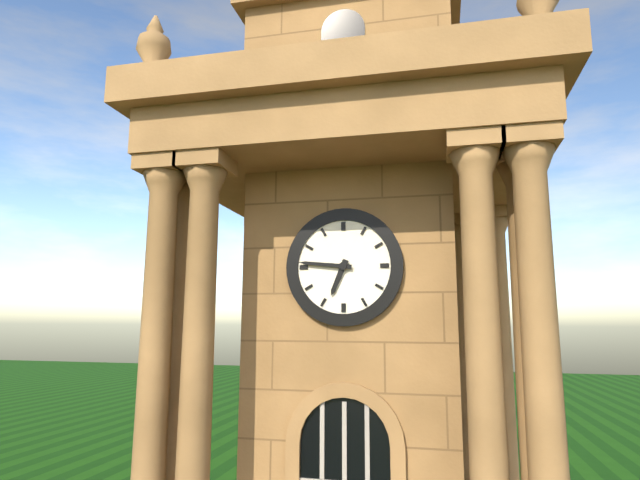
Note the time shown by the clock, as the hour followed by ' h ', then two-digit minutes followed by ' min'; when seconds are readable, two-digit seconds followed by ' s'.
6 h 46 min
